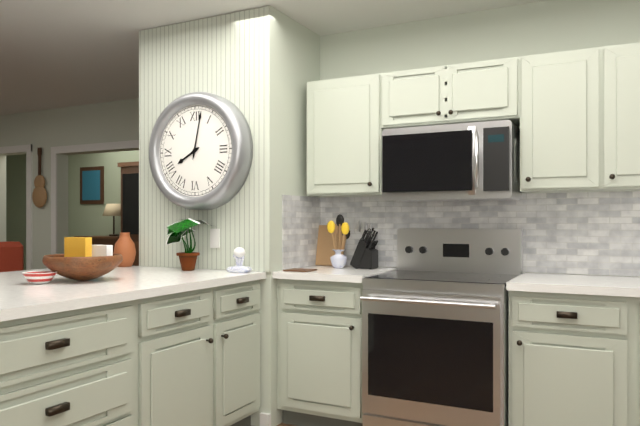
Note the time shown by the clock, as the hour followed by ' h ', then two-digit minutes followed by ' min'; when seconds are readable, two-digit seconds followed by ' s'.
8 h 02 min
